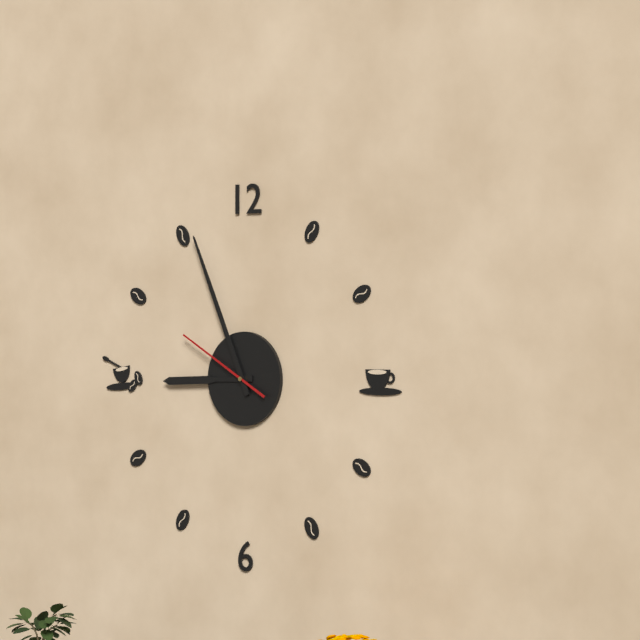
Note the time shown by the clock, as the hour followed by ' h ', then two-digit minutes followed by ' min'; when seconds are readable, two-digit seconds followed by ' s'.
8 h 56 min 50 s
